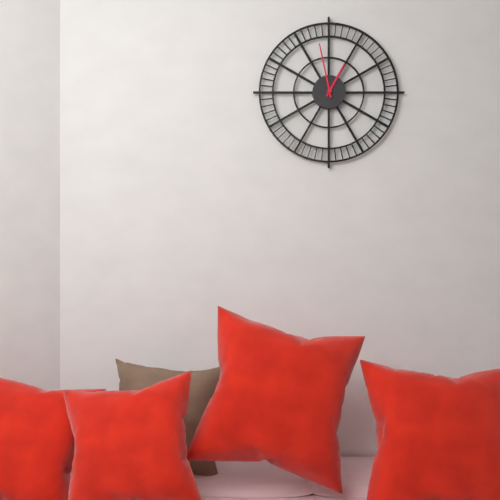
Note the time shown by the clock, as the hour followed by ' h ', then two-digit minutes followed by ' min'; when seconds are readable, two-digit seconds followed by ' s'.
12 h 58 min
